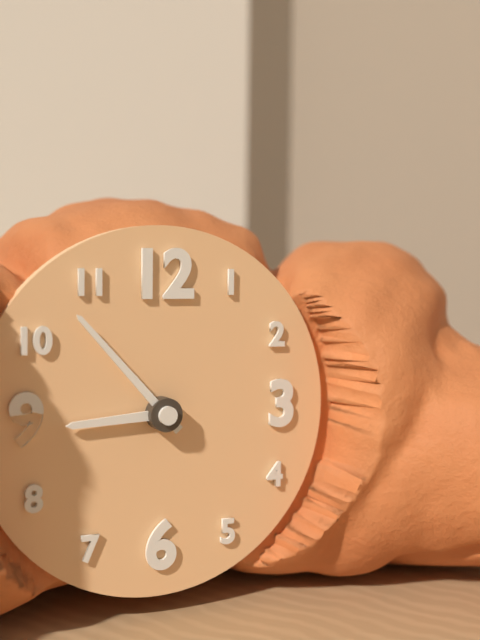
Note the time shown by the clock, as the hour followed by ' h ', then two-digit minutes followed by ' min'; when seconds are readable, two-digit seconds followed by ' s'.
8 h 53 min
